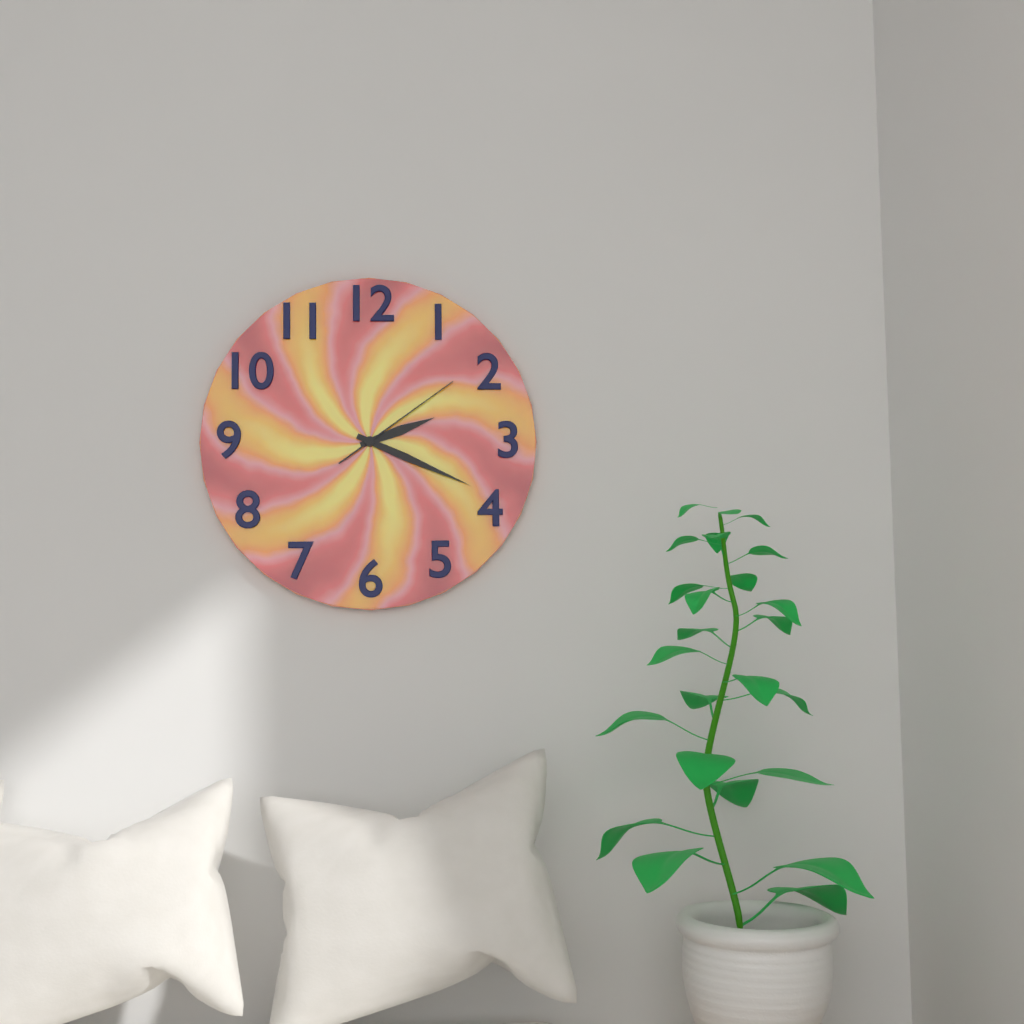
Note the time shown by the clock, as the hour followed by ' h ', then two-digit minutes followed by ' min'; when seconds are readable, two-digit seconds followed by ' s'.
2 h 19 min 09 s
